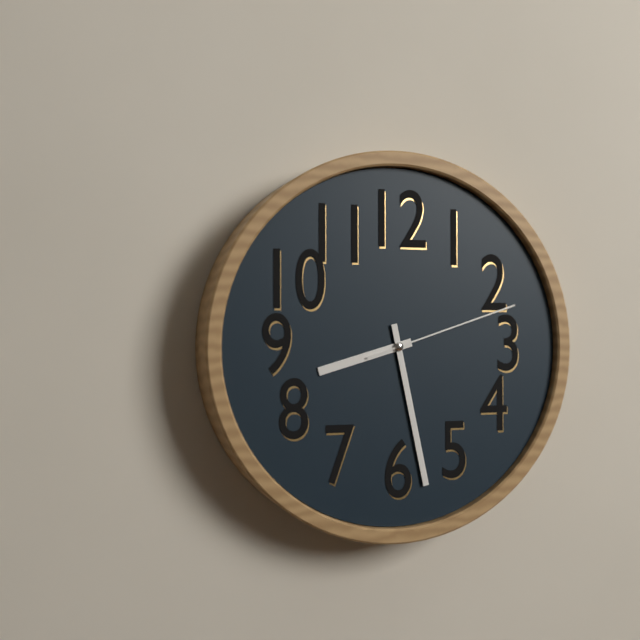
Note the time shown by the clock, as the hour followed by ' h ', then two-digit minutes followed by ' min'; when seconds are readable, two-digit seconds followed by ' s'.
8 h 28 min 12 s
